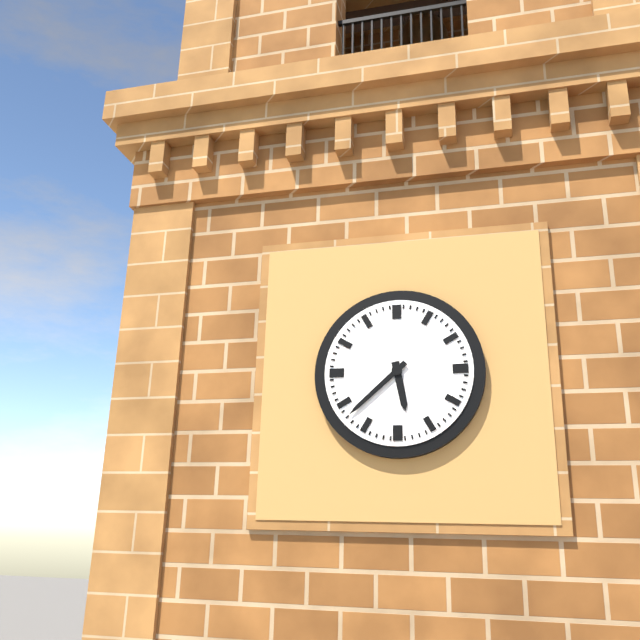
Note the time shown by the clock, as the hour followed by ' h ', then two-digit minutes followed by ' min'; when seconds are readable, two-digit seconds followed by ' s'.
5 h 38 min
